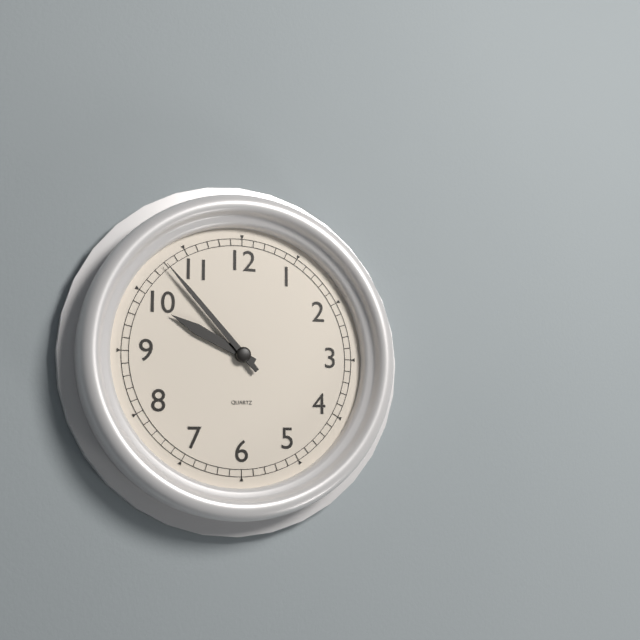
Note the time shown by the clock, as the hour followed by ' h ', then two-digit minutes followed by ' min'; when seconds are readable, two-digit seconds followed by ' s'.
9 h 53 min
